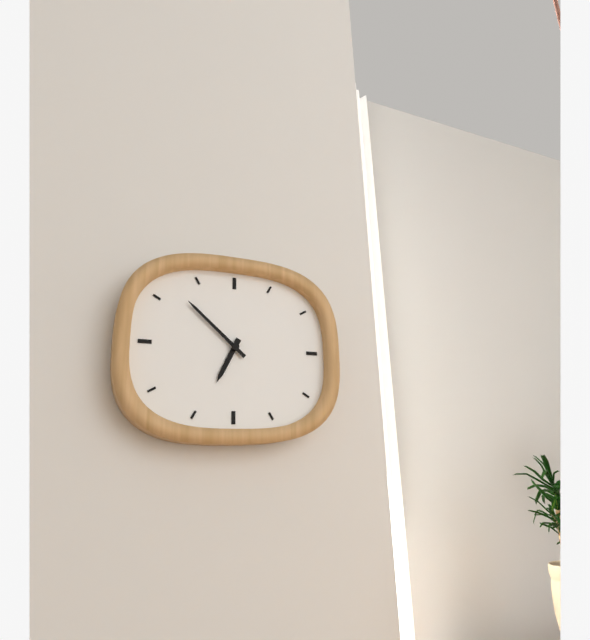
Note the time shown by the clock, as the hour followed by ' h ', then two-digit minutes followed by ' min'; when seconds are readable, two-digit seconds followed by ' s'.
6 h 52 min
